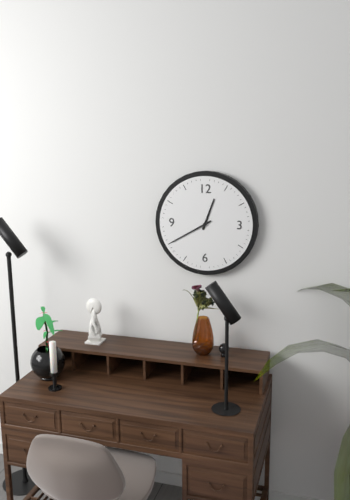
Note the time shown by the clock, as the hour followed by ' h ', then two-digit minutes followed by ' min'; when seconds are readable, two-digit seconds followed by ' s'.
12 h 40 min
